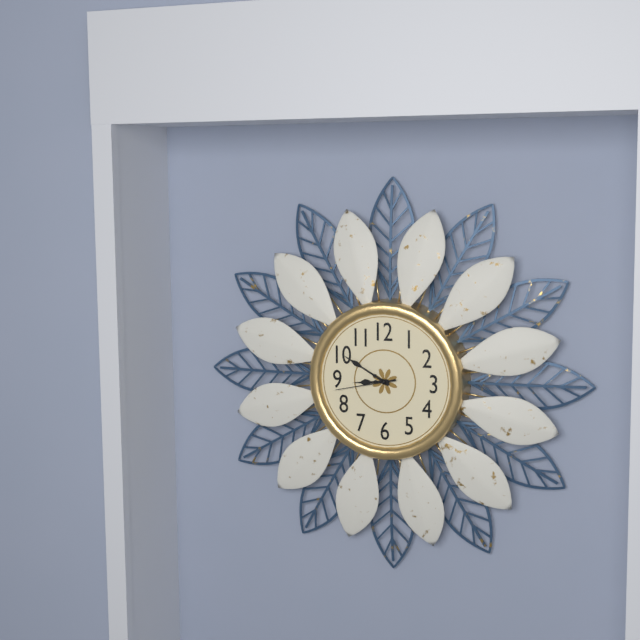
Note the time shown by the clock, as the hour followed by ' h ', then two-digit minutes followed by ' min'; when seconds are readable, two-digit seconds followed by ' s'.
8 h 50 min 43 s
